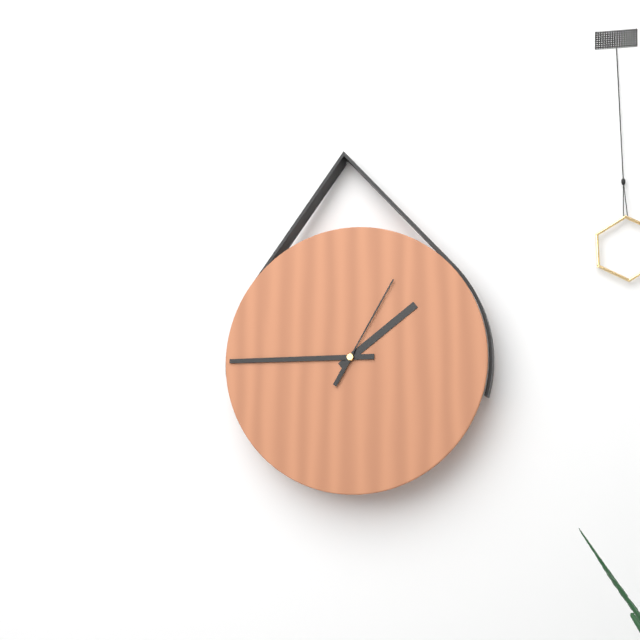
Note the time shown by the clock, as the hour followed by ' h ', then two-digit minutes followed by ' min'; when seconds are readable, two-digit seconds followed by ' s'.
1 h 45 min 05 s
